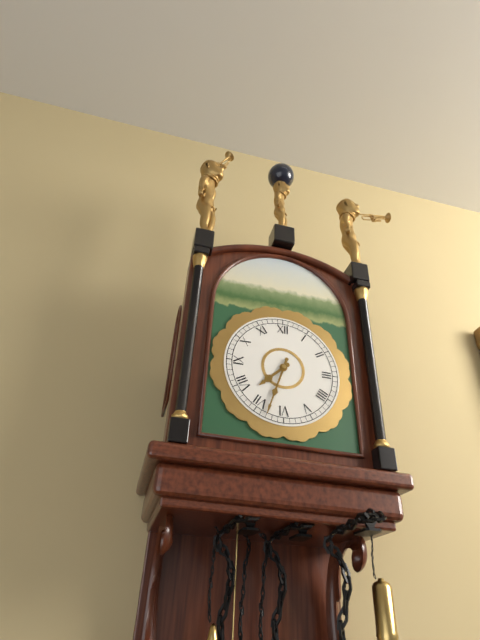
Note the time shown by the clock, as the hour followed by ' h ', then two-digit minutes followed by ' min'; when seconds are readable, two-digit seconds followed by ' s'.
7 h 33 min
